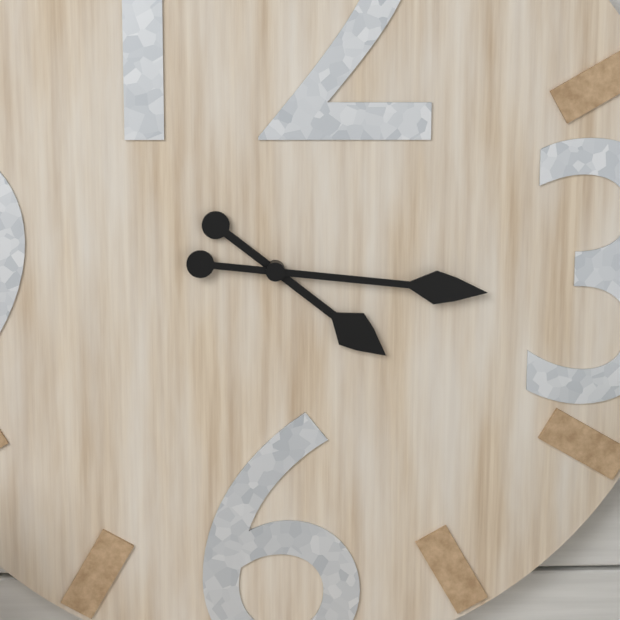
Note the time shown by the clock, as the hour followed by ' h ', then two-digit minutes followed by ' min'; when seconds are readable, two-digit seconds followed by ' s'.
4 h 16 min
